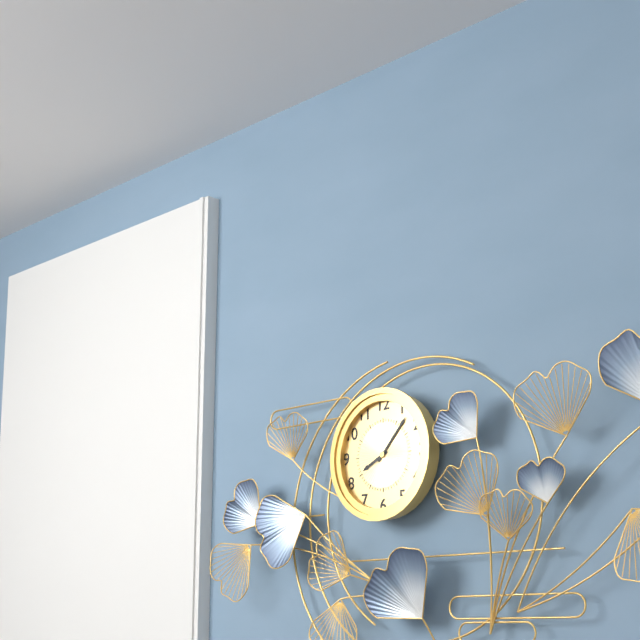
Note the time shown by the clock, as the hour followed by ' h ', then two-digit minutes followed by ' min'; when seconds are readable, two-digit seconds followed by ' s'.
8 h 07 min
